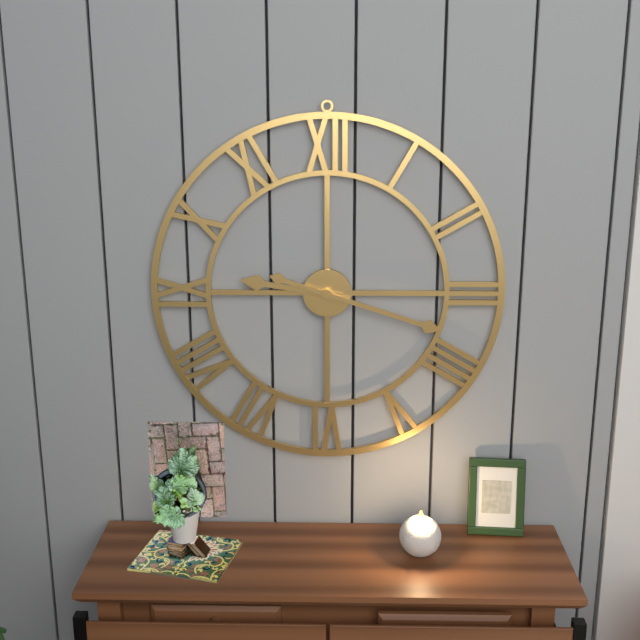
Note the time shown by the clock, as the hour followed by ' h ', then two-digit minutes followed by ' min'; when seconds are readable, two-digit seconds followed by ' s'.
9 h 18 min
